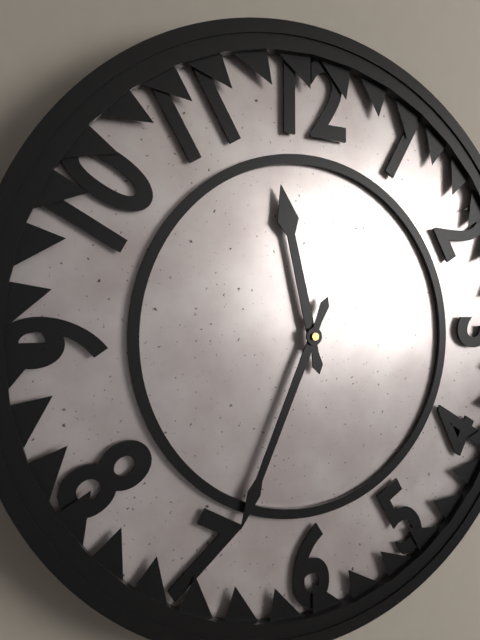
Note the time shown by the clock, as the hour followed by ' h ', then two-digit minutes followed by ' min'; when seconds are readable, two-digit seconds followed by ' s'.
11 h 34 min
